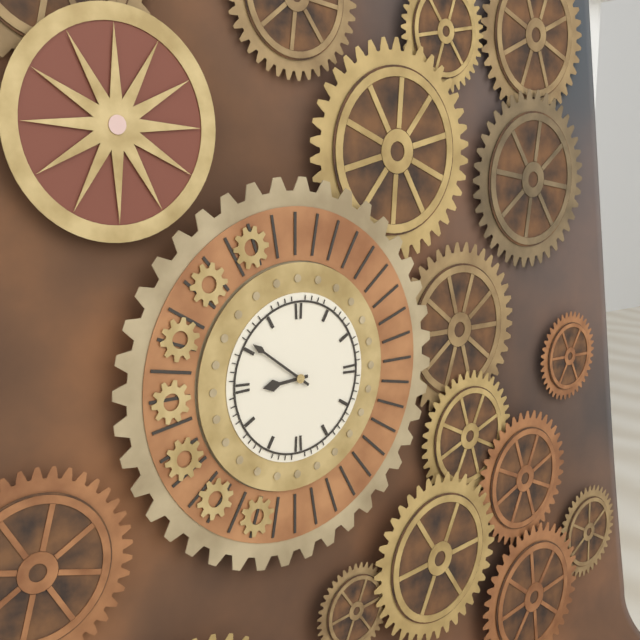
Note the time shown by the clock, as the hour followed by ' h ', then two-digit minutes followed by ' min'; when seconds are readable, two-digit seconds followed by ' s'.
8 h 51 min
